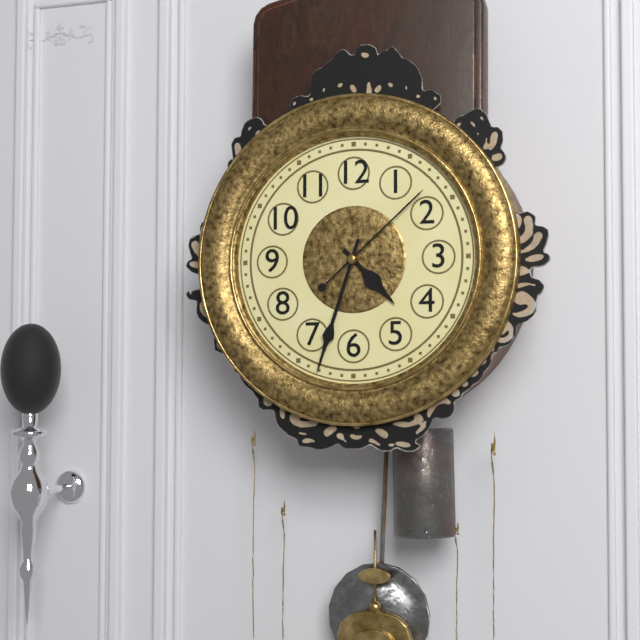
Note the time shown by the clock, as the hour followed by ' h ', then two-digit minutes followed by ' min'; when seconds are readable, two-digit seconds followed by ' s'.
4 h 33 min 08 s
